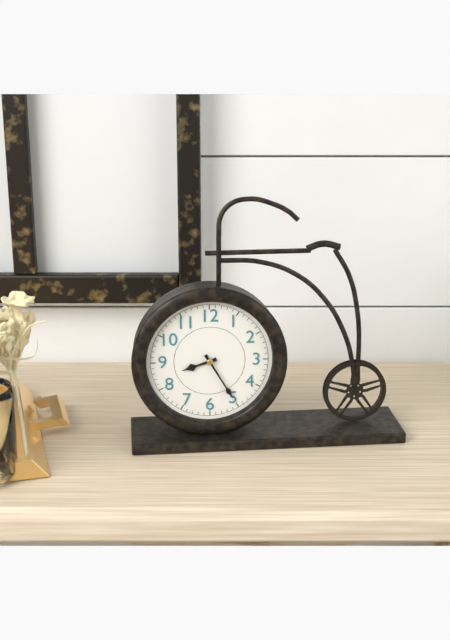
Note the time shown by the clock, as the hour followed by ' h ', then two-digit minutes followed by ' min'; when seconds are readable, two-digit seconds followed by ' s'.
8 h 25 min
